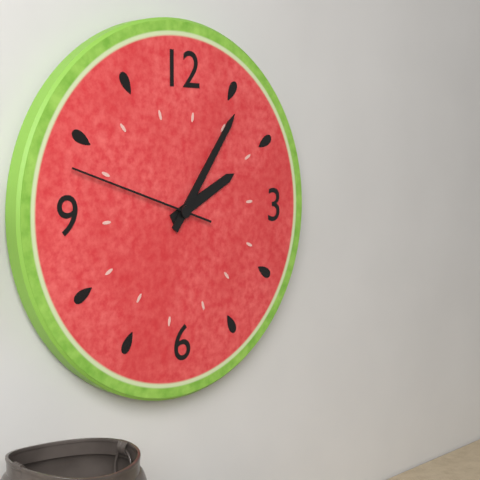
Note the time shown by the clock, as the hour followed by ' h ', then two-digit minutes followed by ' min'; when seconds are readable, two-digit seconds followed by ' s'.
2 h 06 min 48 s
